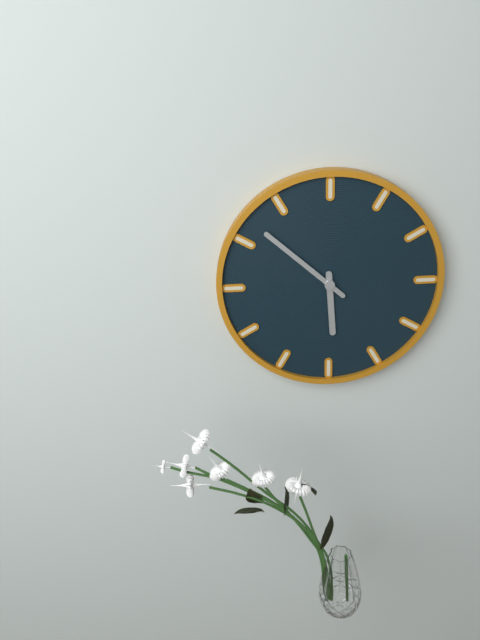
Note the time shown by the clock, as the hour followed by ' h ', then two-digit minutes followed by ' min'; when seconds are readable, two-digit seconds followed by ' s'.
5 h 52 min
